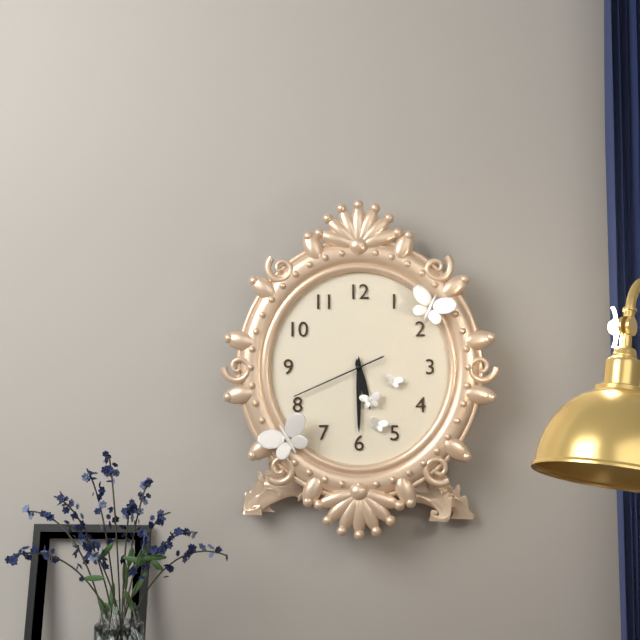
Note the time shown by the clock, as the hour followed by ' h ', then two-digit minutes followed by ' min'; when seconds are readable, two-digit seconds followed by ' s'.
5 h 30 min 41 s
